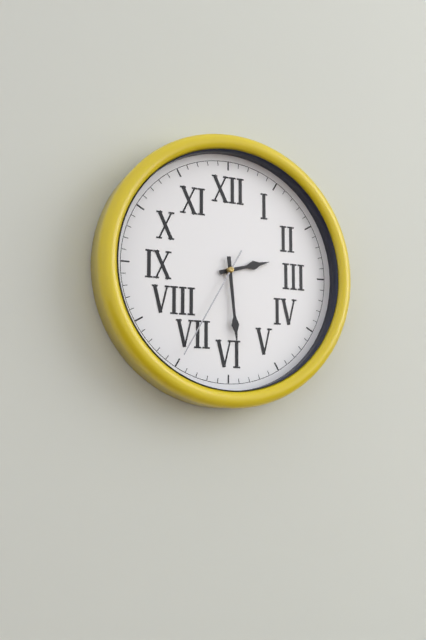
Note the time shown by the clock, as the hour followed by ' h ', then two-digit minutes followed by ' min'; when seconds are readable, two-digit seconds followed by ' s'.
2 h 29 min 35 s
